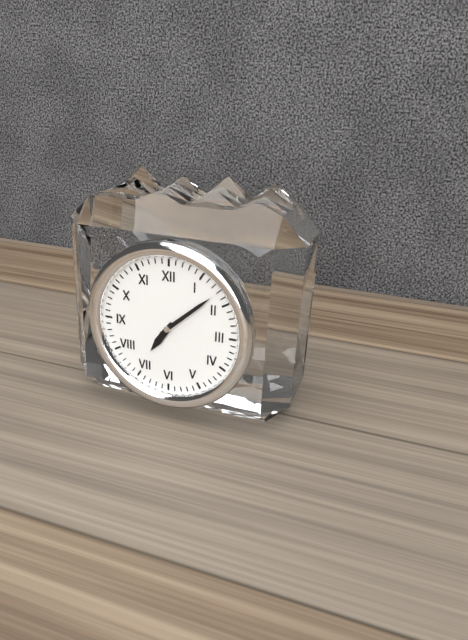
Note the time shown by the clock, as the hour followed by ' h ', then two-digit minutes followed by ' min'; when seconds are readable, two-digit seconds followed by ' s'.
7 h 08 min
